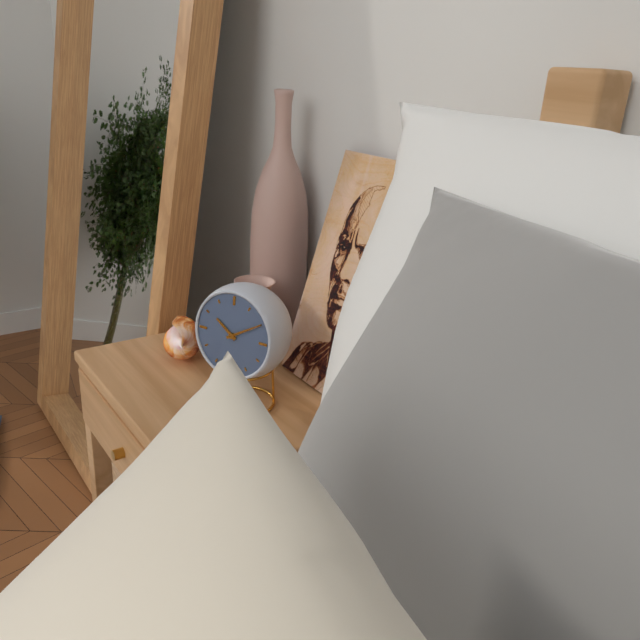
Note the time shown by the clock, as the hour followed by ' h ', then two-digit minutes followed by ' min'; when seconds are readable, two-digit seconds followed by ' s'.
10 h 10 min
